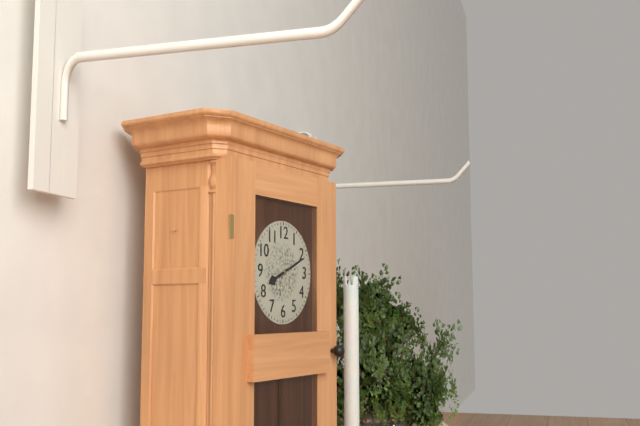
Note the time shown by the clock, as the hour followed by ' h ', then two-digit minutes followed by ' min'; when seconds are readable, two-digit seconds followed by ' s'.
8 h 11 min
